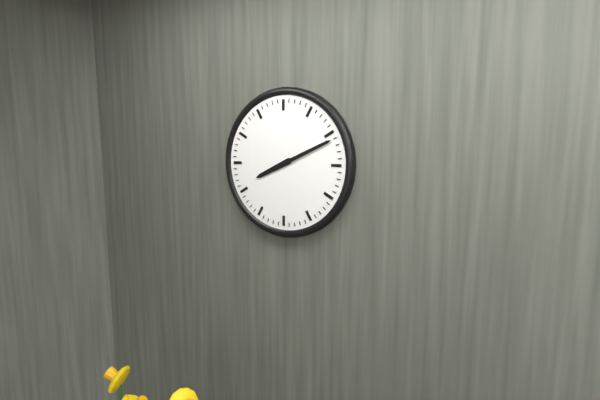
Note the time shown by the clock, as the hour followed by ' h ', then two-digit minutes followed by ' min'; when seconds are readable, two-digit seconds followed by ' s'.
8 h 11 min
